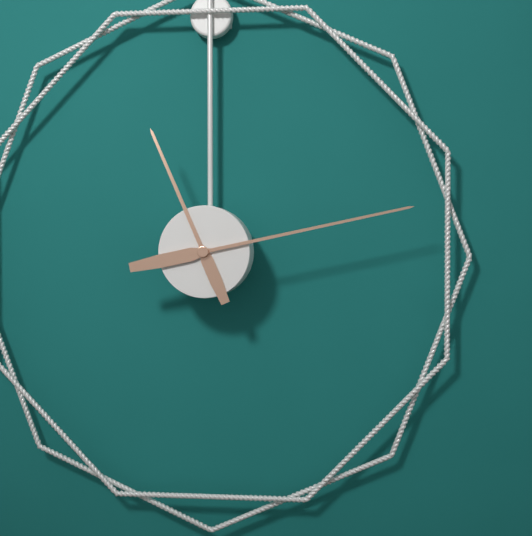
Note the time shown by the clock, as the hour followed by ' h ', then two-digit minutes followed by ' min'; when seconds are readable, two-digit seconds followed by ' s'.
11 h 13 min
